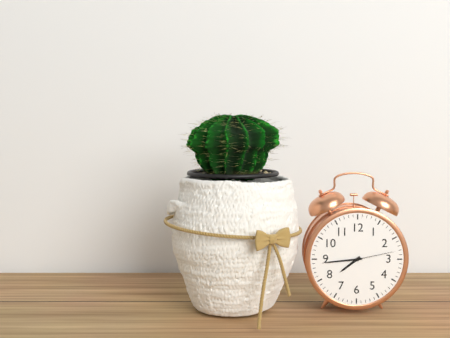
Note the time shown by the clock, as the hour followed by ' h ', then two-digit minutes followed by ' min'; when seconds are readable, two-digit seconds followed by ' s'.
7 h 44 min
